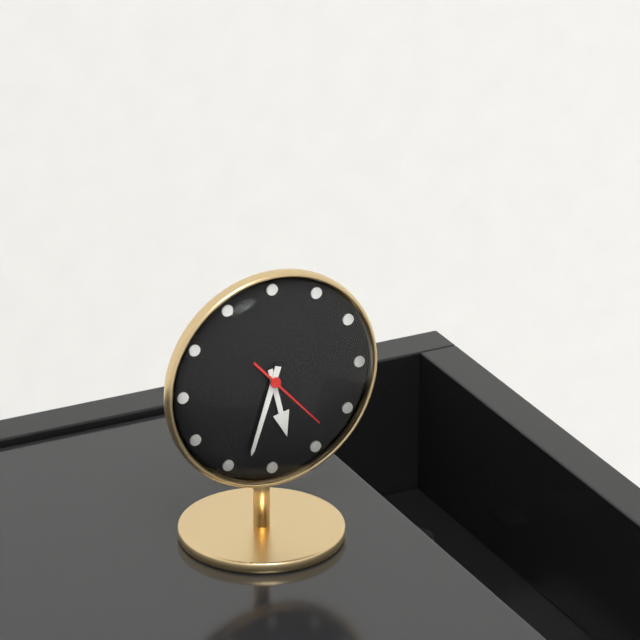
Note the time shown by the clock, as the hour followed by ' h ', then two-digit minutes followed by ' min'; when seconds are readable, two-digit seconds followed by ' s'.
5 h 33 min 23 s
